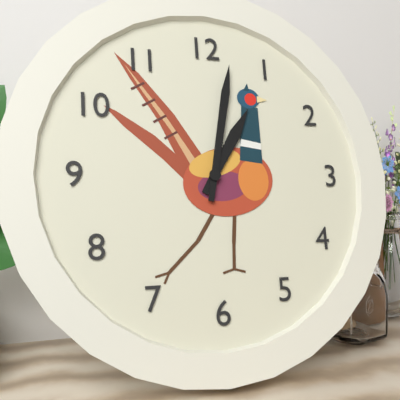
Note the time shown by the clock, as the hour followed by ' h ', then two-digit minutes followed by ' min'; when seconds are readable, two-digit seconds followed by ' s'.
1 h 02 min
